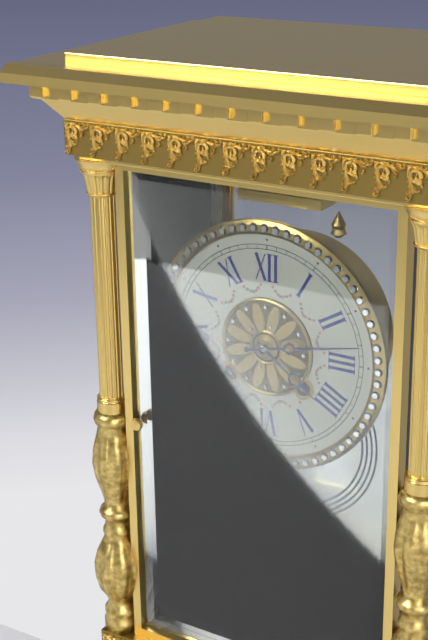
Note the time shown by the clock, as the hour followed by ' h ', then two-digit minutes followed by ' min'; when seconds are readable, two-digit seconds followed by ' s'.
4 h 13 min
